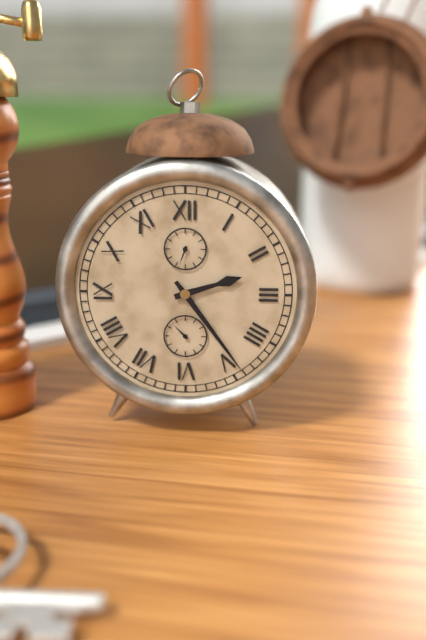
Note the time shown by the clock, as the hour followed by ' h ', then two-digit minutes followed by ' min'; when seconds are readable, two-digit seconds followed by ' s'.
2 h 24 min
